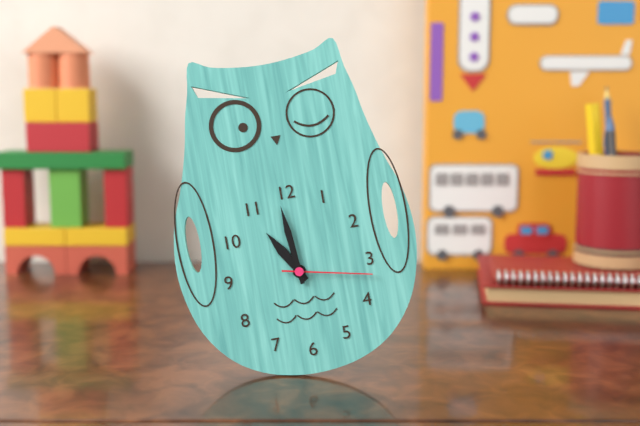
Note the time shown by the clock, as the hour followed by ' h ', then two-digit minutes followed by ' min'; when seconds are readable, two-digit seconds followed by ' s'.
10 h 59 min 17 s
